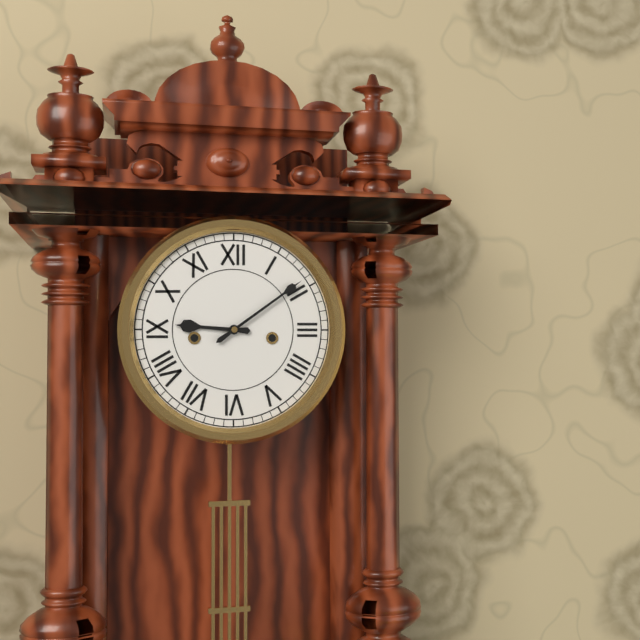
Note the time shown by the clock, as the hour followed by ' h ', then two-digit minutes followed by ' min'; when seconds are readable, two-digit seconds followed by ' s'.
9 h 09 min
